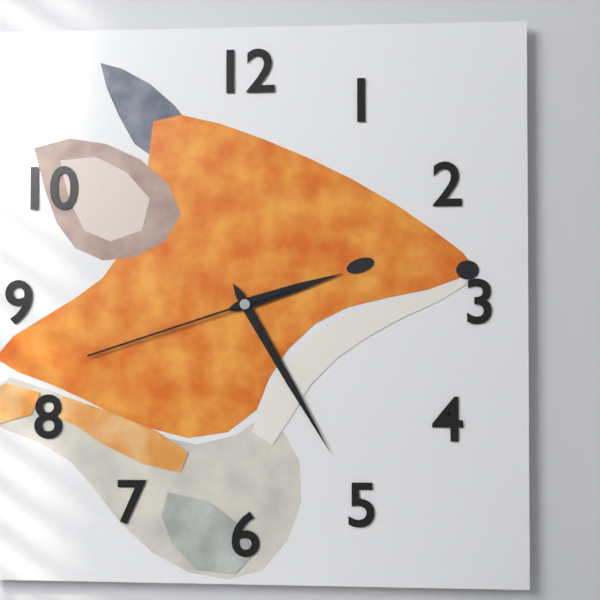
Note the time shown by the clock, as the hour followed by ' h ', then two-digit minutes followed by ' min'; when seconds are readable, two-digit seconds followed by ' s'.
2 h 25 min 42 s
